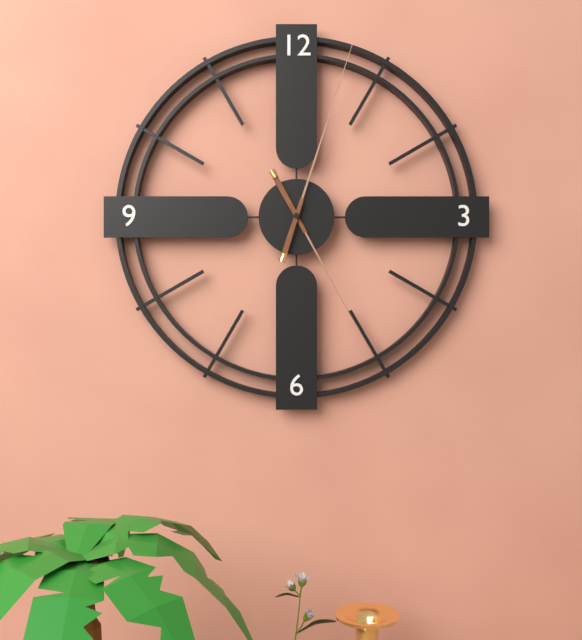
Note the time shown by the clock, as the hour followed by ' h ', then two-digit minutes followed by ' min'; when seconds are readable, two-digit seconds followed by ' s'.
5 h 03 min
